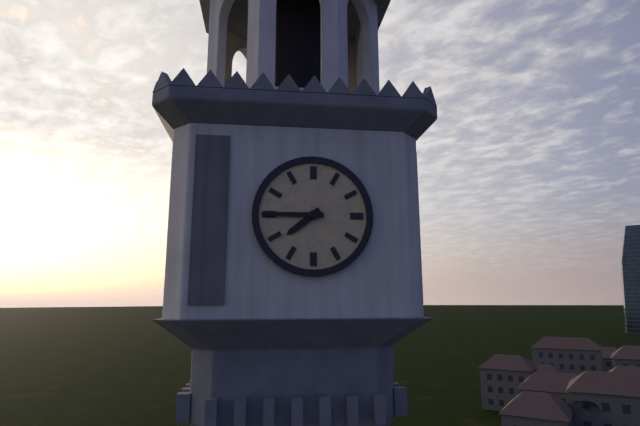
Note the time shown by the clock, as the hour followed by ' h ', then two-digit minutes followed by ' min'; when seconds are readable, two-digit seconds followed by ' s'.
7 h 45 min
